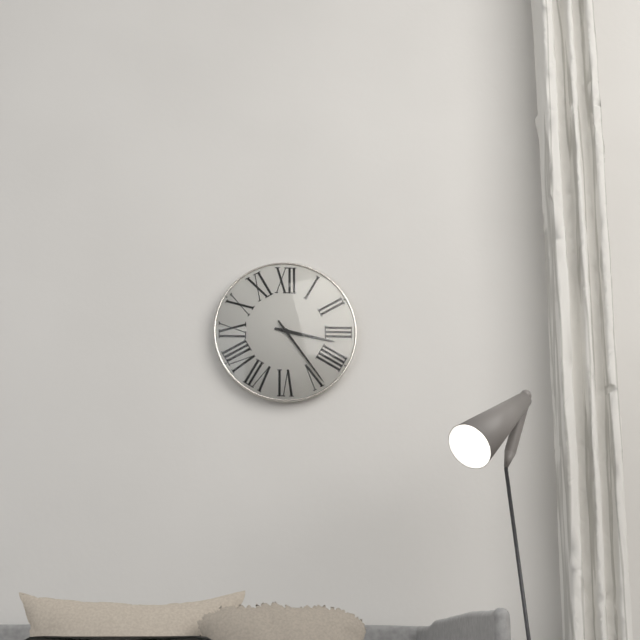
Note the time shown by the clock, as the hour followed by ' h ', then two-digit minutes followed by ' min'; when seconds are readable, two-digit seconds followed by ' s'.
3 h 24 min
